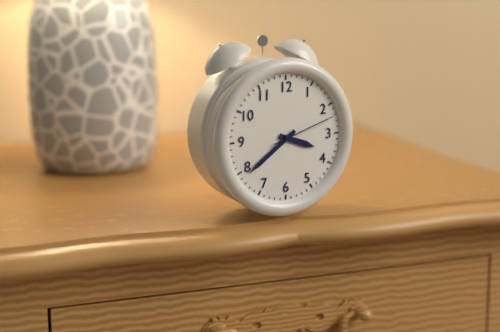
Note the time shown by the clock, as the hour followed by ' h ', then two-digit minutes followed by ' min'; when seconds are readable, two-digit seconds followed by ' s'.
3 h 39 min 12 s
